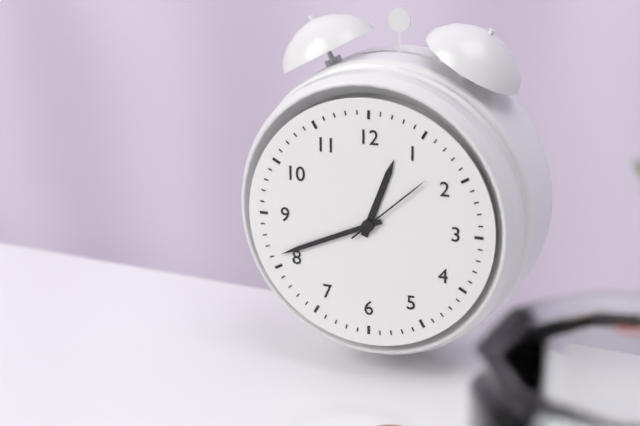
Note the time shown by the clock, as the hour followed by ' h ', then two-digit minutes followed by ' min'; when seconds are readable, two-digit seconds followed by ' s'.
12 h 41 min 08 s
